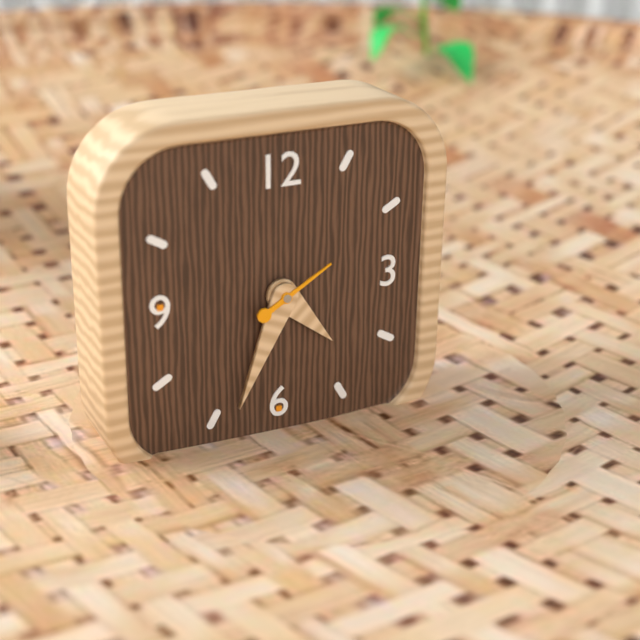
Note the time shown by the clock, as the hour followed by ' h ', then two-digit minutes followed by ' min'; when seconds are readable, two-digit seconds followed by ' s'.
4 h 34 min 10 s
